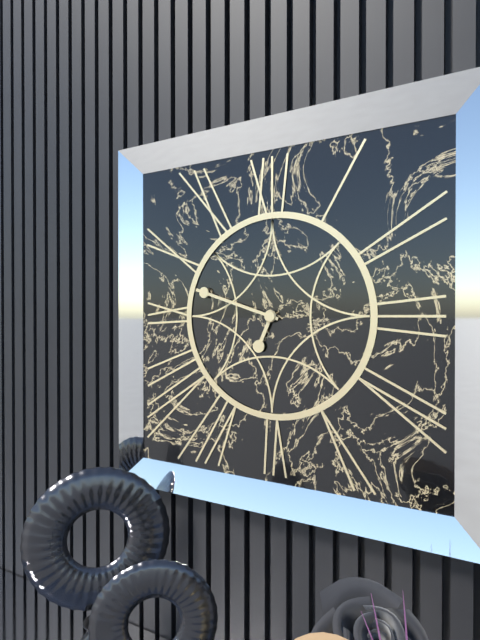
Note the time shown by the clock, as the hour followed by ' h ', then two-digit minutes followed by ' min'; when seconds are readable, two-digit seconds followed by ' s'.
6 h 48 min
